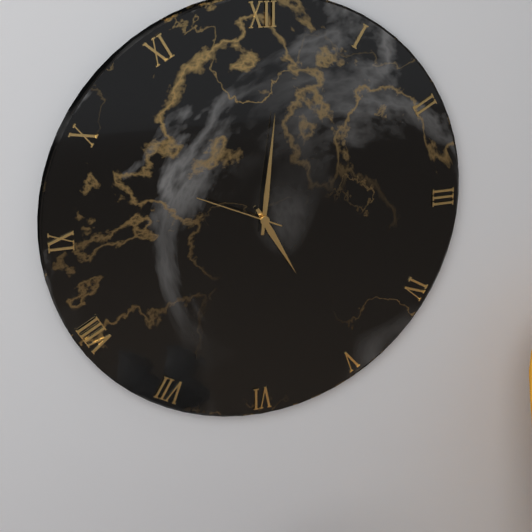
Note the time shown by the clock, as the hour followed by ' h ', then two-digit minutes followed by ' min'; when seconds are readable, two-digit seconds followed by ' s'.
5 h 01 min 49 s
